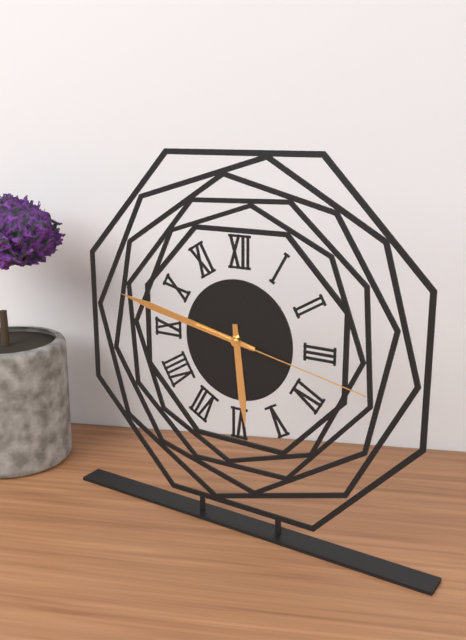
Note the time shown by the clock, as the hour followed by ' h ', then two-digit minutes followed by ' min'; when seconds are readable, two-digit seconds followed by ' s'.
5 h 47 min 17 s
